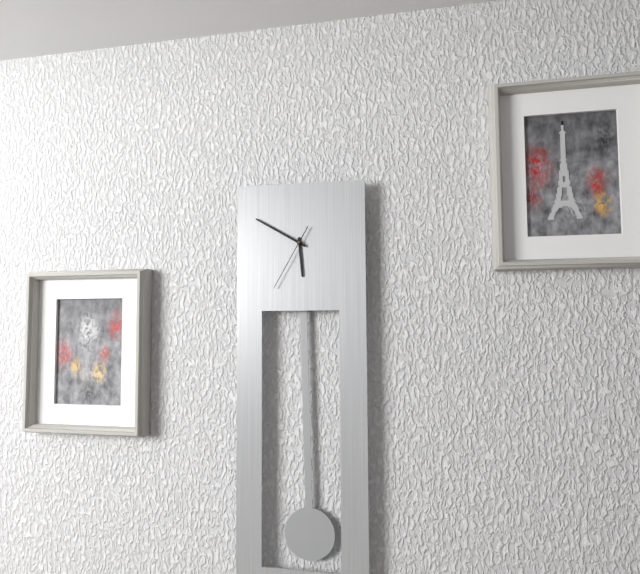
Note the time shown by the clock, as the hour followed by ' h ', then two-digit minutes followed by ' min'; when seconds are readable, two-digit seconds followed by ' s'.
5 h 50 min 35 s
